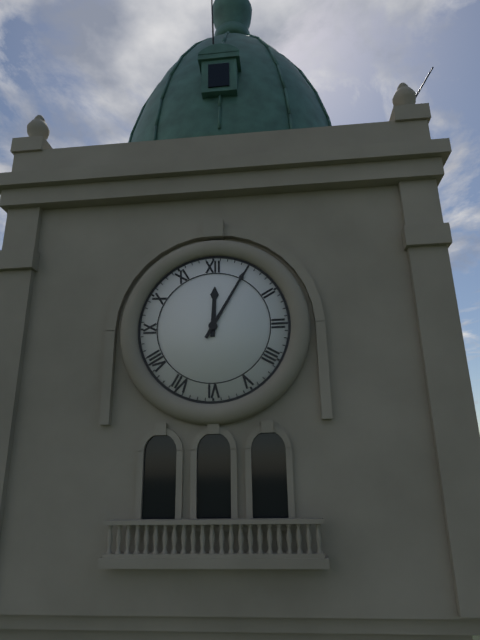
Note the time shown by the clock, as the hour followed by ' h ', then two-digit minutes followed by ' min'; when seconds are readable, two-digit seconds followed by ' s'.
12 h 05 min
